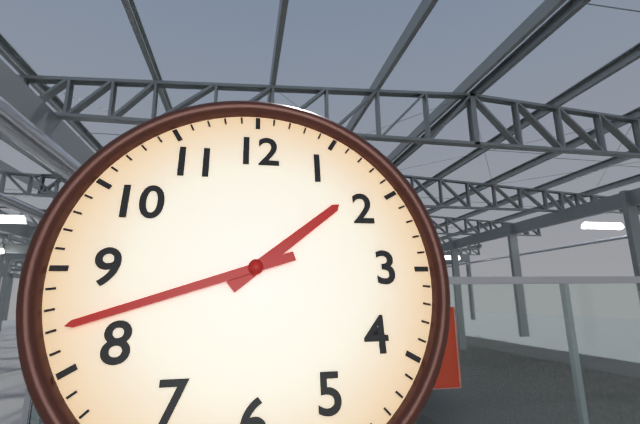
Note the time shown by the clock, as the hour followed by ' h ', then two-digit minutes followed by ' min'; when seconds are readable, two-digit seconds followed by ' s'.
1 h 42 min
